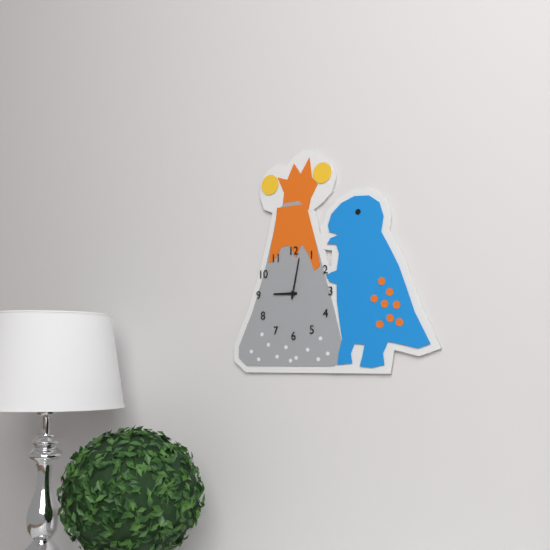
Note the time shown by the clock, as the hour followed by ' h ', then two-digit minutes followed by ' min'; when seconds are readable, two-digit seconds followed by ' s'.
9 h 02 min
